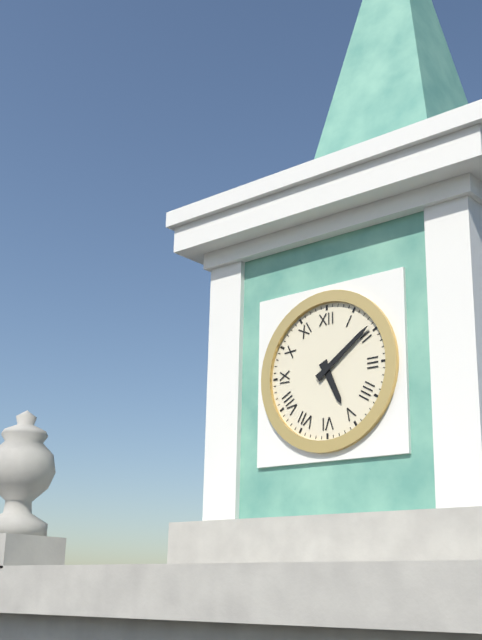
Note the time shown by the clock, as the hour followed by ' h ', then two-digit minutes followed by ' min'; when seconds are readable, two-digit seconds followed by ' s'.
5 h 09 min
